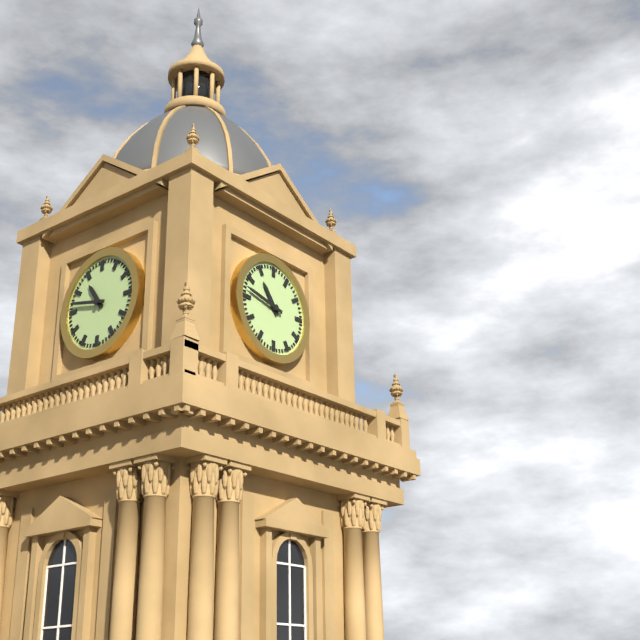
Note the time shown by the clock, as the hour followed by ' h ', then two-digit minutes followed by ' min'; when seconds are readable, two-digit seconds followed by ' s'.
10 h 47 min
